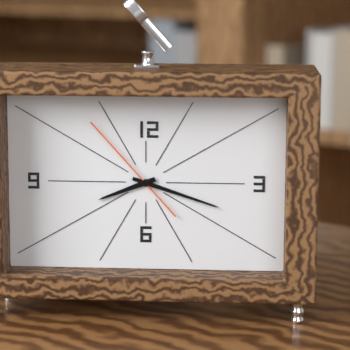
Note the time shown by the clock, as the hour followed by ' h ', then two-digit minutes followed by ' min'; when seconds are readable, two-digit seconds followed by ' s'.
8 h 18 min 53 s
